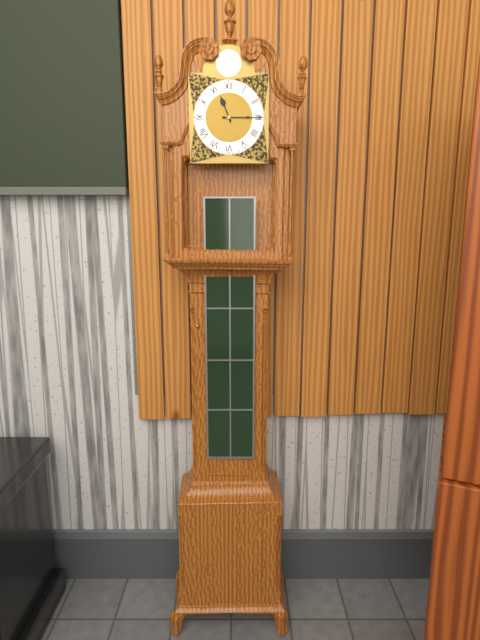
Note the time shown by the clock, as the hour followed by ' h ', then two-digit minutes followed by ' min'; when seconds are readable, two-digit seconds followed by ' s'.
11 h 15 min
